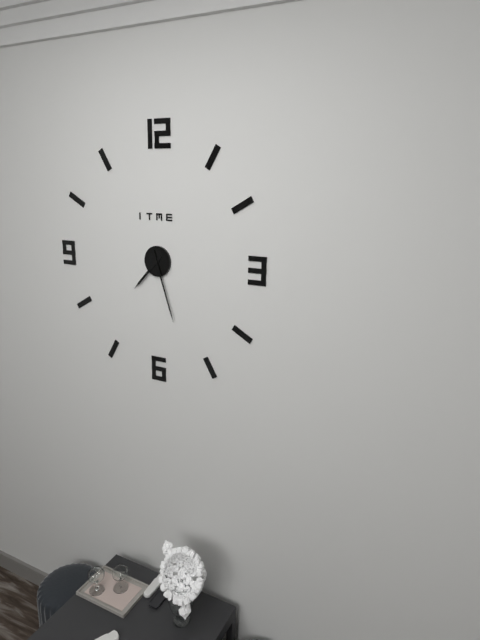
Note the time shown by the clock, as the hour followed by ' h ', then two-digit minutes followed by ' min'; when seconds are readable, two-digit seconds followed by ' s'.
7 h 27 min
